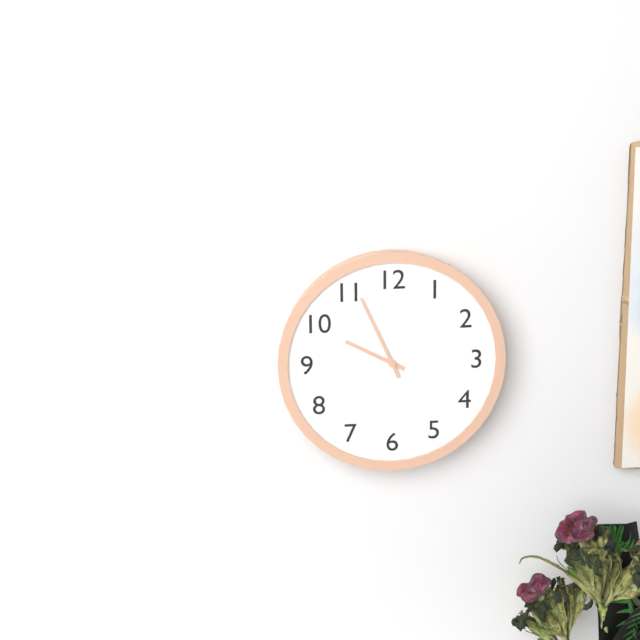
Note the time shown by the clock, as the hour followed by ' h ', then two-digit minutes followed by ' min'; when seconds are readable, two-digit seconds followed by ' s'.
9 h 56 min
